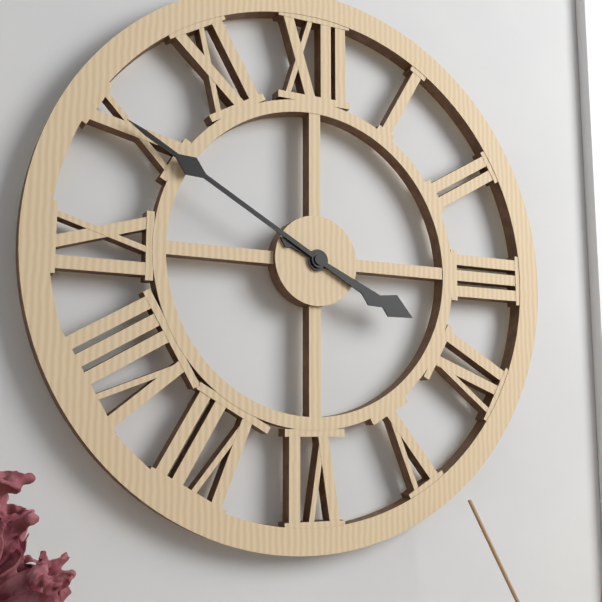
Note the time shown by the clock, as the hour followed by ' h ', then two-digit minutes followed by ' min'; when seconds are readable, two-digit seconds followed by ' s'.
3 h 50 min
